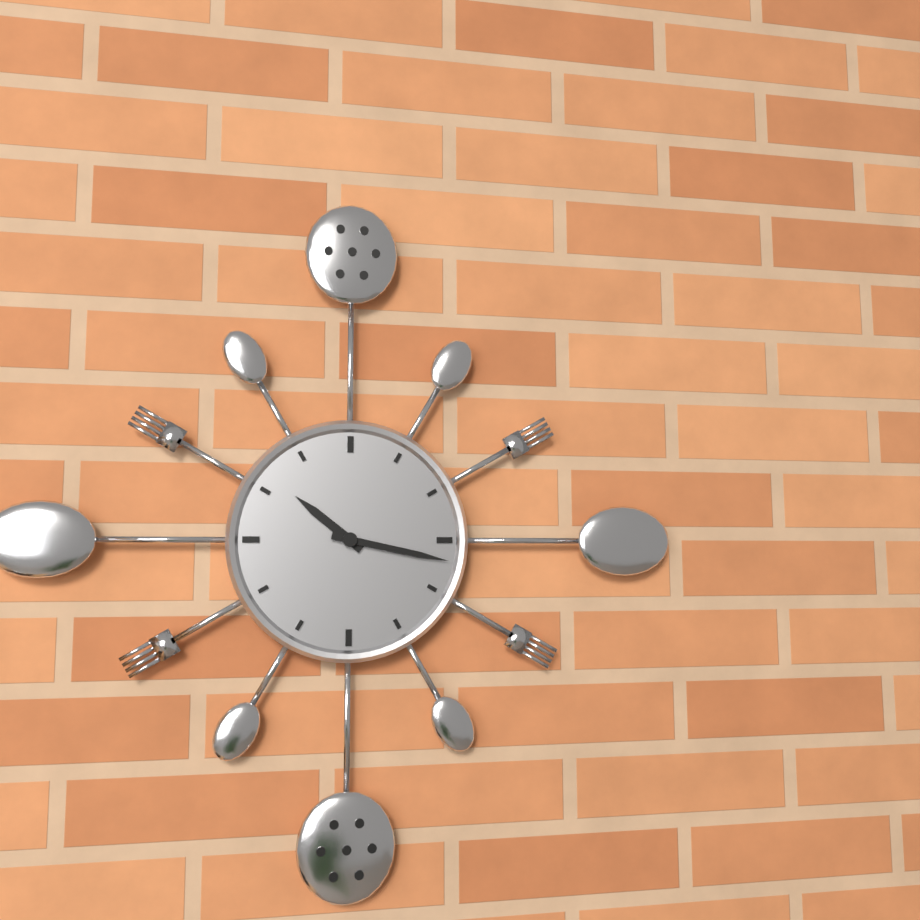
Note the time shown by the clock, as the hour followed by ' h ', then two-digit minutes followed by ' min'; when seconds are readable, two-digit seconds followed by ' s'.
10 h 17 min
